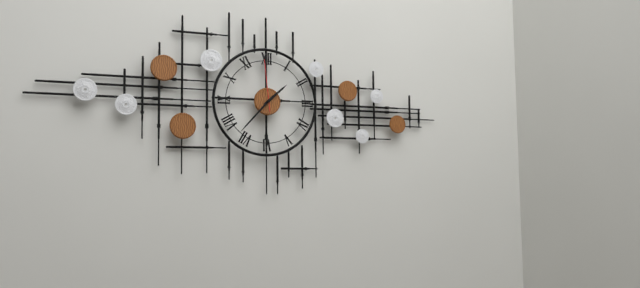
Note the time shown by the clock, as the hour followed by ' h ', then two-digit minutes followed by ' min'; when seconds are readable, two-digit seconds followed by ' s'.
1 h 37 min 59 s
